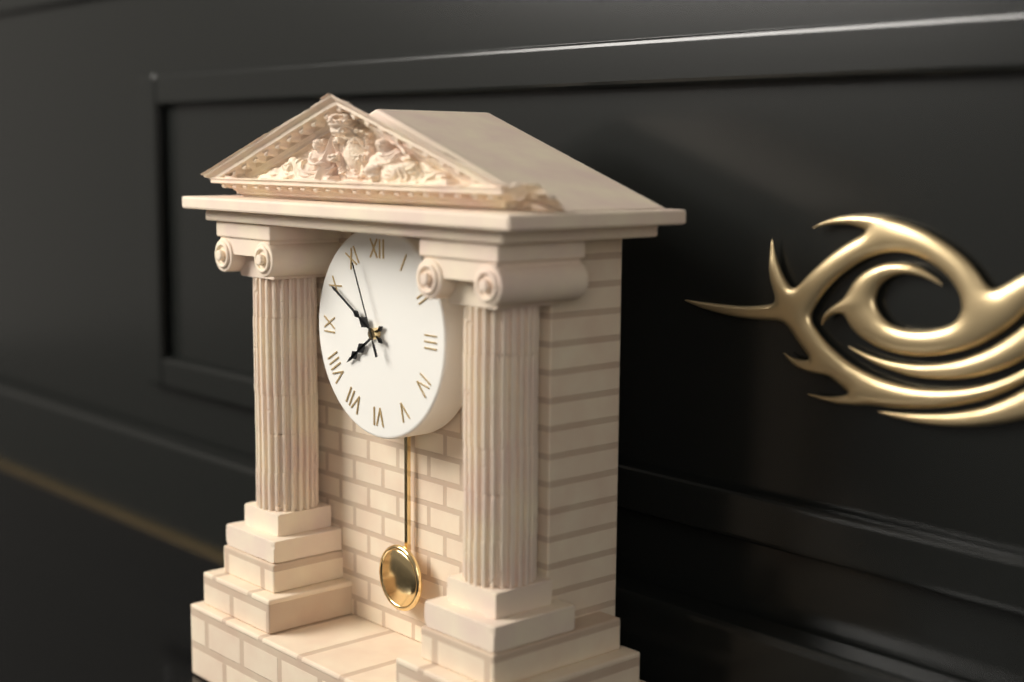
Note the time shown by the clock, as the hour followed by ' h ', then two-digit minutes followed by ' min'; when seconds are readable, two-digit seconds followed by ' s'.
7 h 50 min 56 s
